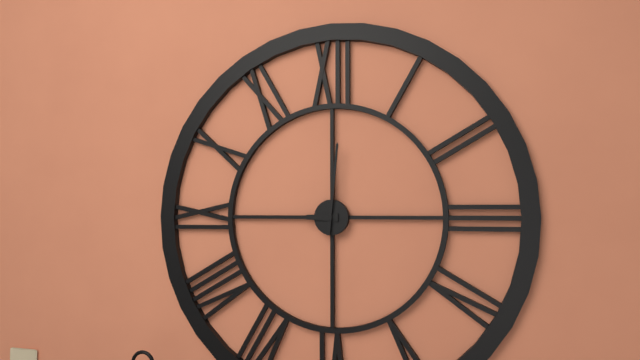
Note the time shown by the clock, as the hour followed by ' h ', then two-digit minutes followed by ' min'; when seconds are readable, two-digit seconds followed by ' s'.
9 h 01 min
